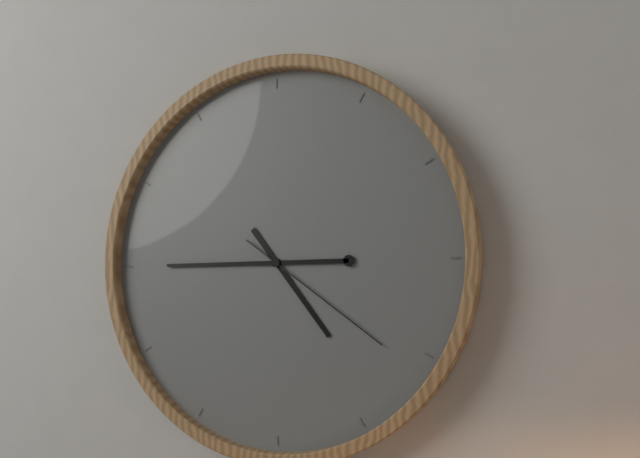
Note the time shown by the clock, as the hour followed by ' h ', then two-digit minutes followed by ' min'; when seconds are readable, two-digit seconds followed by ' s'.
4 h 45 min 21 s
